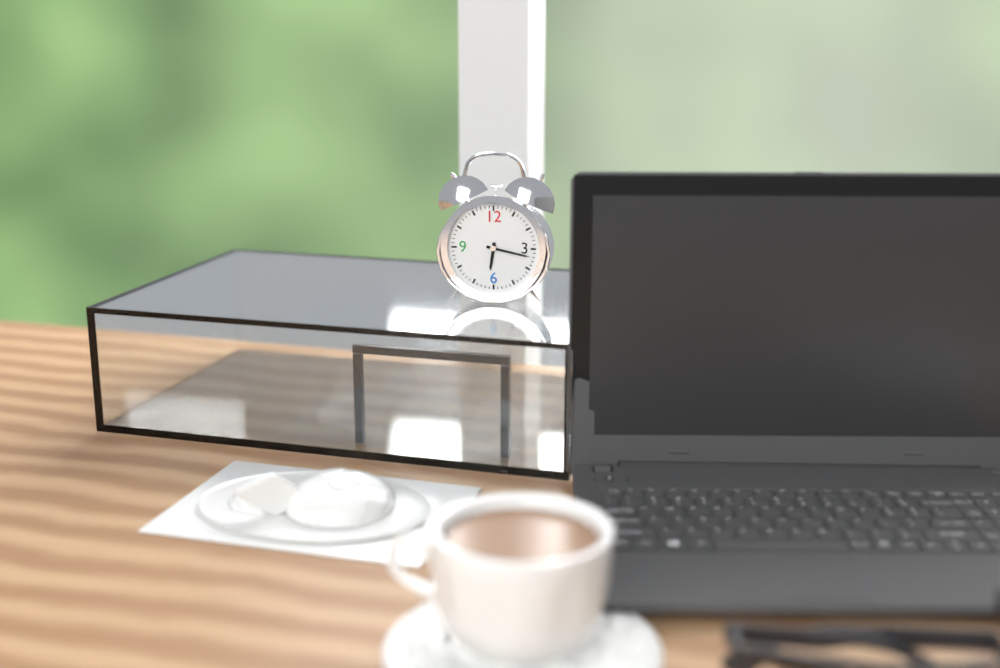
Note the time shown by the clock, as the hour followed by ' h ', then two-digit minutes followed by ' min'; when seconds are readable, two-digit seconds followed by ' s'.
6 h 17 min
